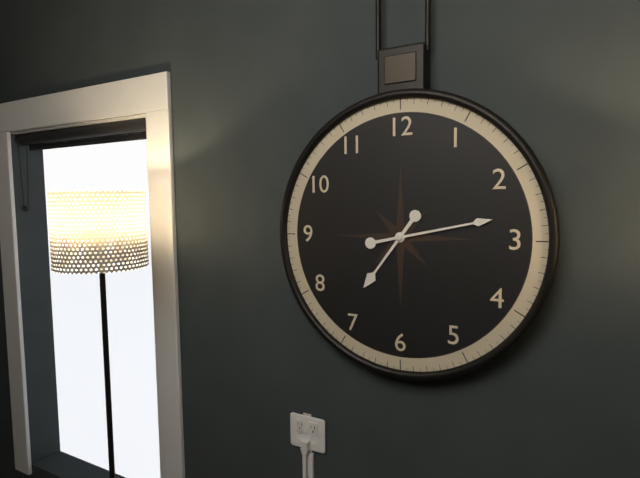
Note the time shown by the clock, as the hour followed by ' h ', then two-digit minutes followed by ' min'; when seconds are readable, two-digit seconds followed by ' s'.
7 h 13 min
